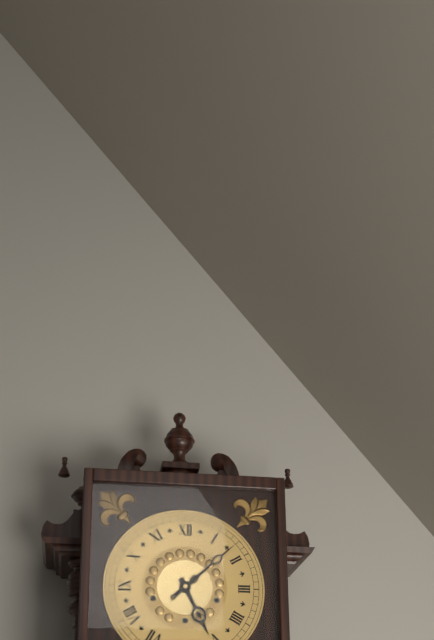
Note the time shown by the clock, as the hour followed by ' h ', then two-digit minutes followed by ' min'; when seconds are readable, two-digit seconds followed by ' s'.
5 h 08 min
